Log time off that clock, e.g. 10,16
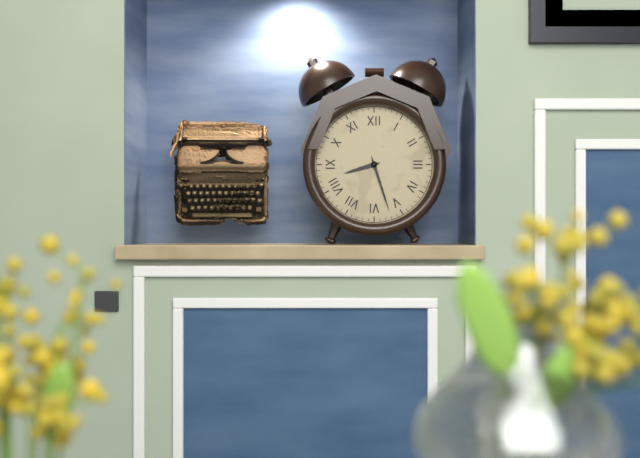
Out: 8,27
